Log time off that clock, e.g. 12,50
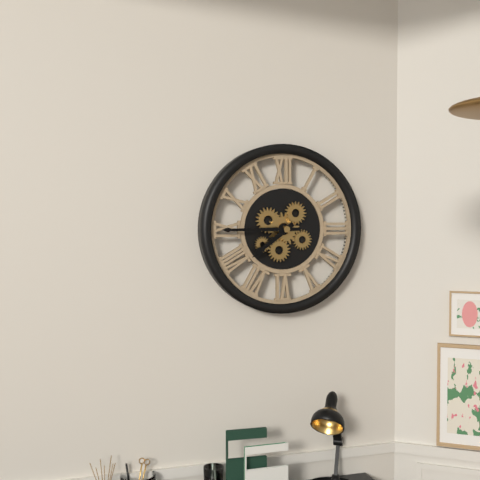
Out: 7,45
